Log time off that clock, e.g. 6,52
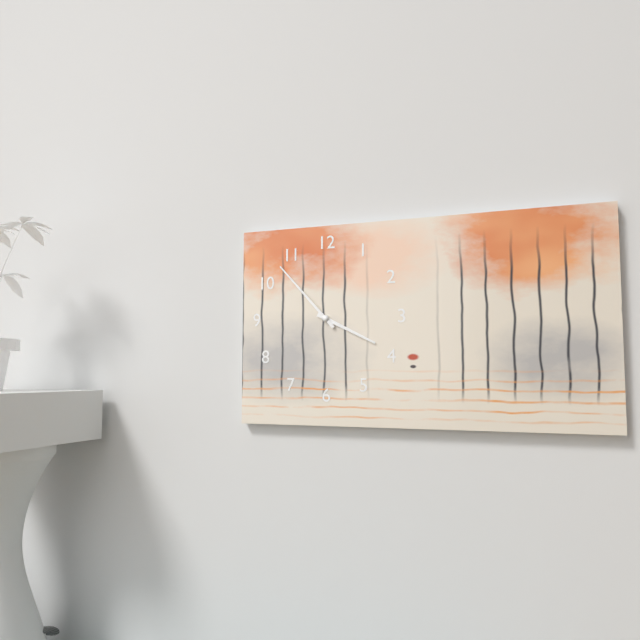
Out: 3,53
